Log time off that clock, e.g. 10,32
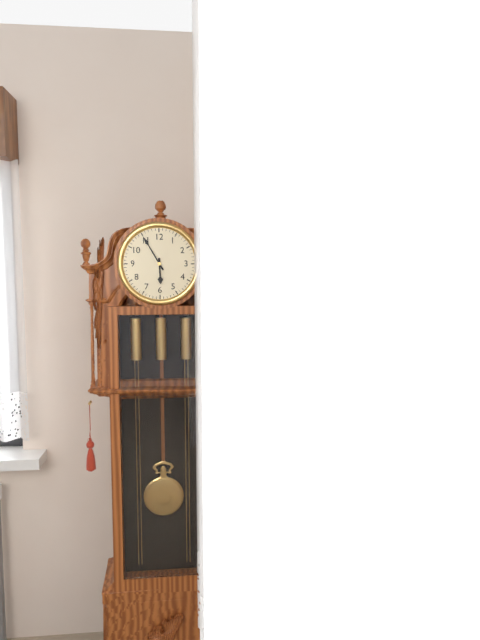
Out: 5,55
